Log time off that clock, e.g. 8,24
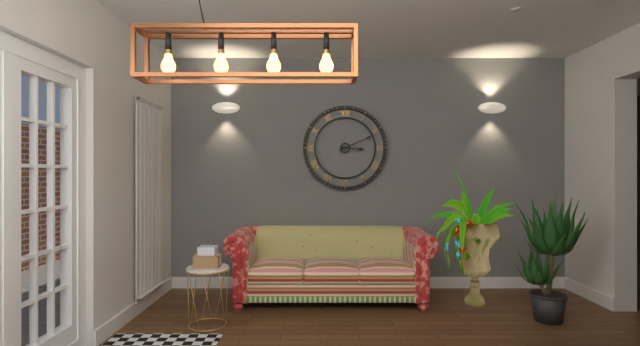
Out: 3,11
